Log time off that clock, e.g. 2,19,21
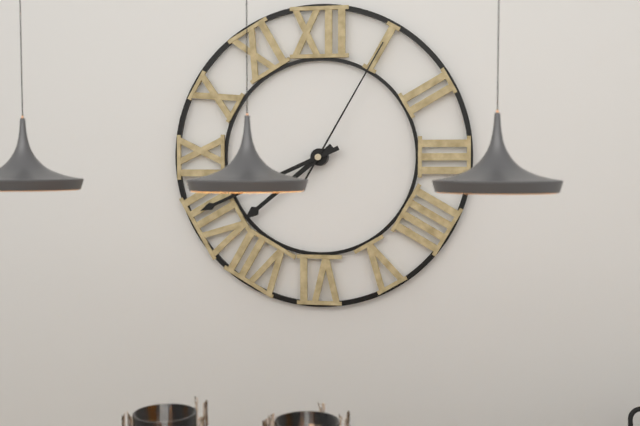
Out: 7,41,05
